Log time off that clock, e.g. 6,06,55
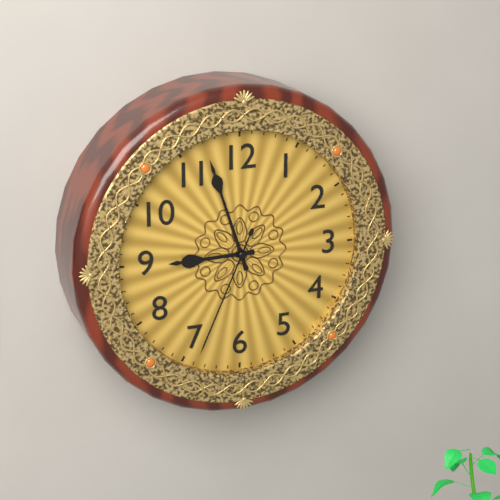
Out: 8,57,34
